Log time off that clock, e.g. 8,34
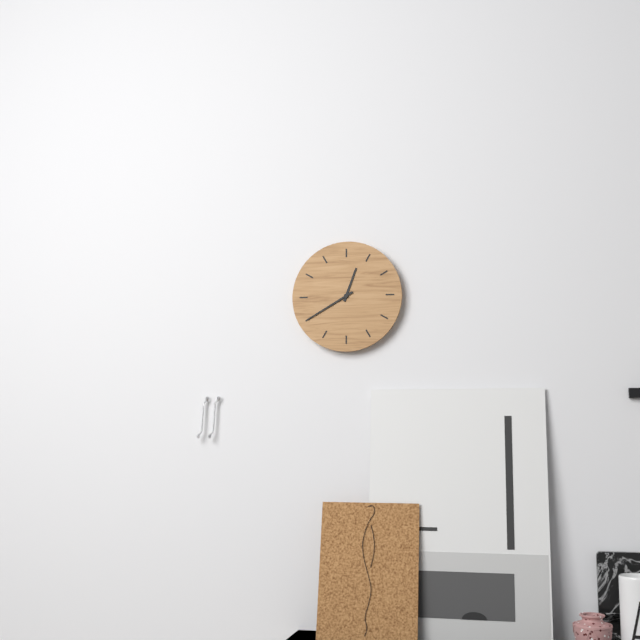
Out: 12,40
